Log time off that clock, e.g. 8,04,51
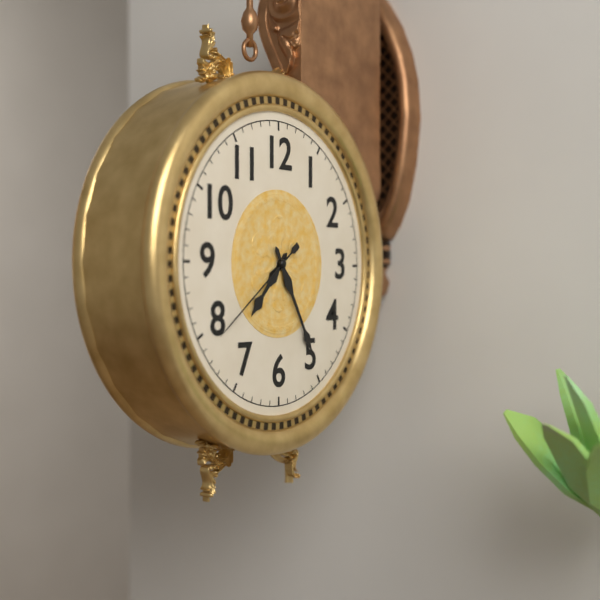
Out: 7,25,39
